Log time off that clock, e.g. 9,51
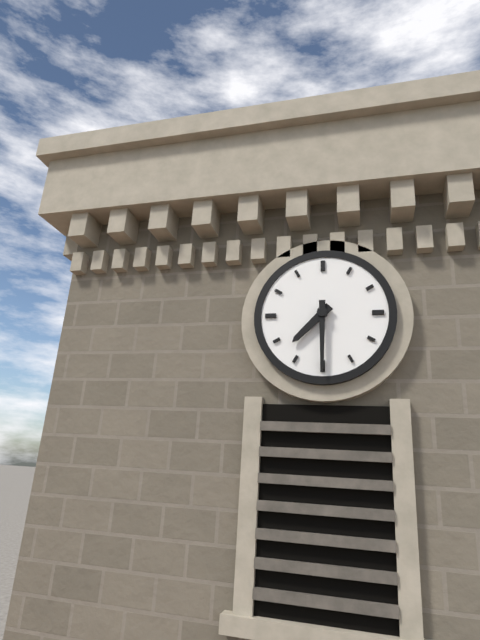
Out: 7,30
